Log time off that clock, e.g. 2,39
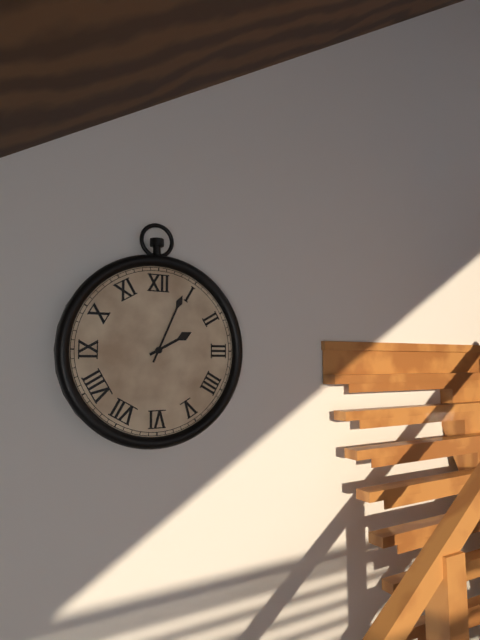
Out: 2,04
